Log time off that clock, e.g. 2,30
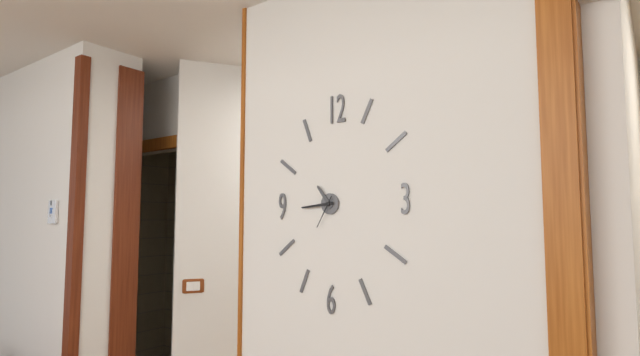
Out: 10,44
